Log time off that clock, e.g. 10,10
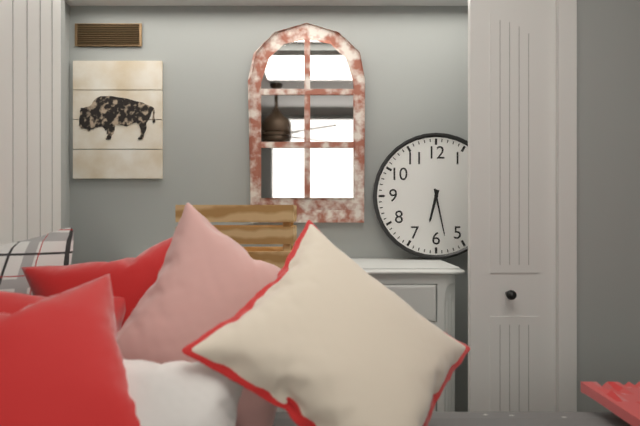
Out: 6,28
